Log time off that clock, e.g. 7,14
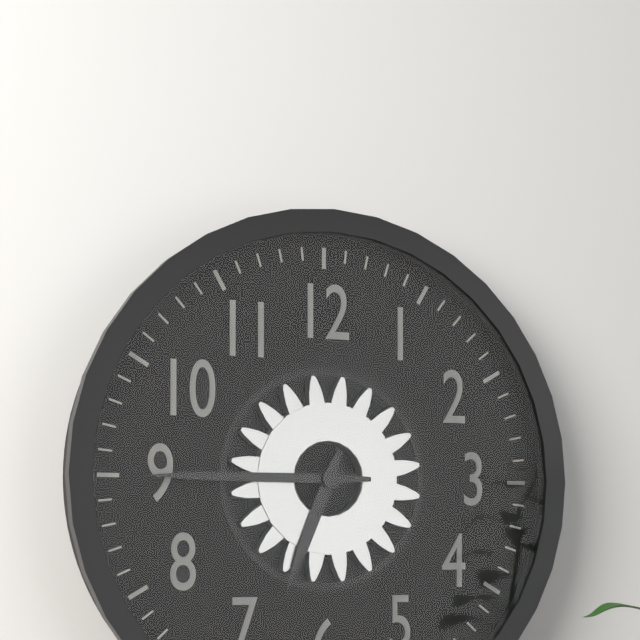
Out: 6,45
